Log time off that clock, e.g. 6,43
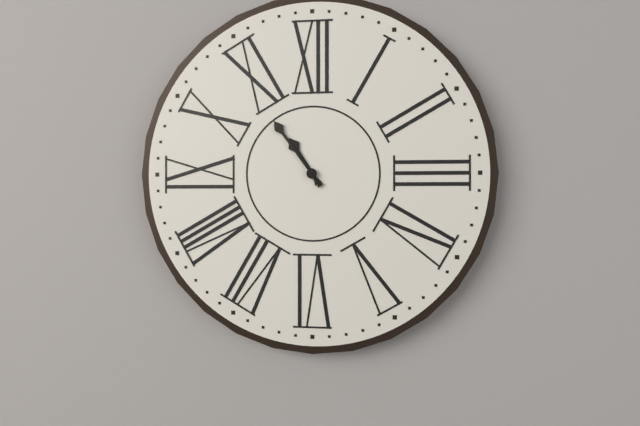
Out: 10,54
